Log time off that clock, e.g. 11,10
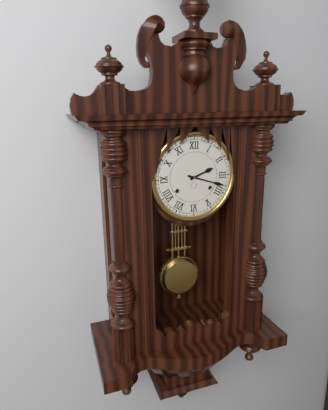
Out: 2,18
